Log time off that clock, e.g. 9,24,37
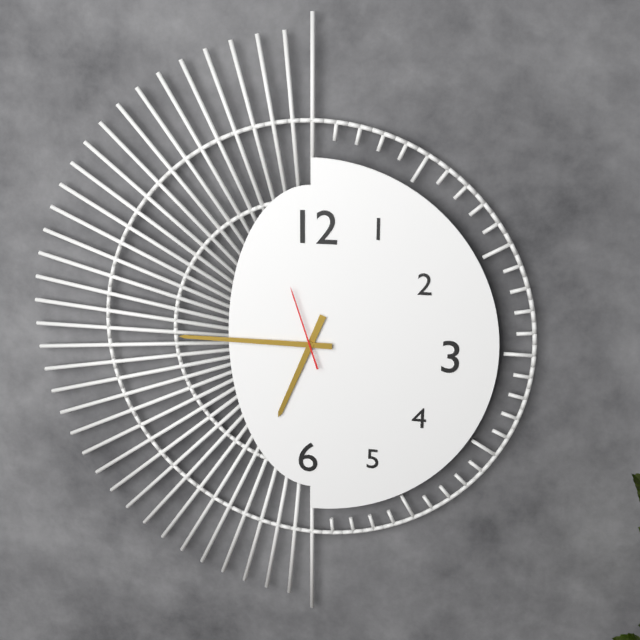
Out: 6,45,57
